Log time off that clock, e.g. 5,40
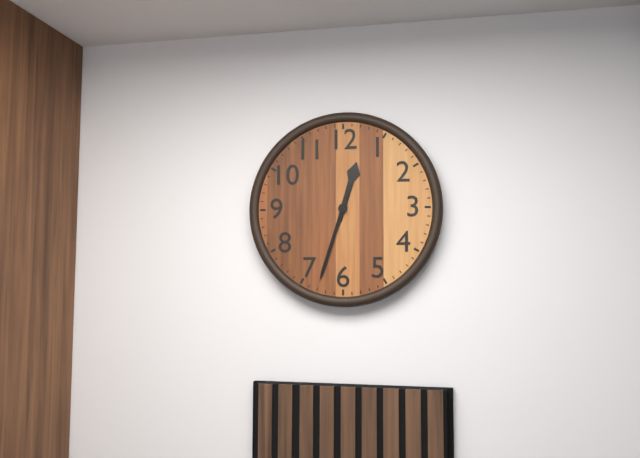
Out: 12,33
